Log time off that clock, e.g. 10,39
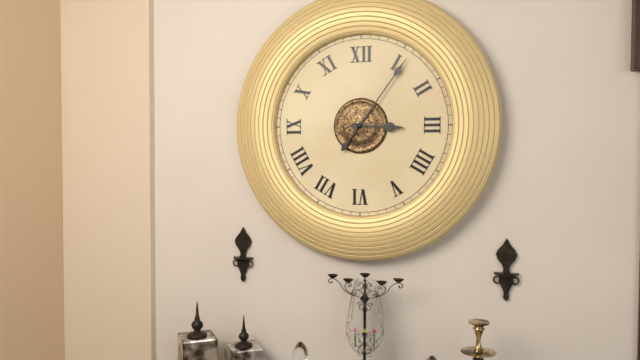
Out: 3,06
